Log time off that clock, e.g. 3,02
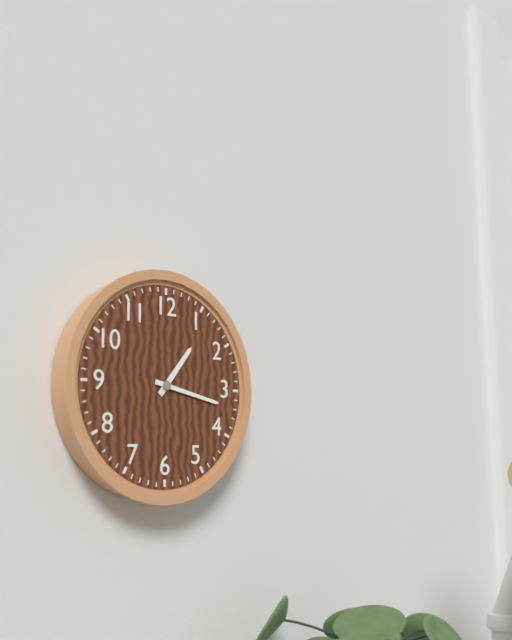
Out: 1,17
